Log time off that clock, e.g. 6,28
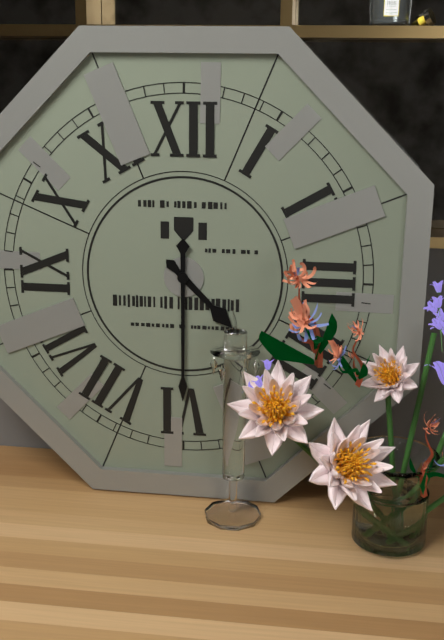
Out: 4,30
